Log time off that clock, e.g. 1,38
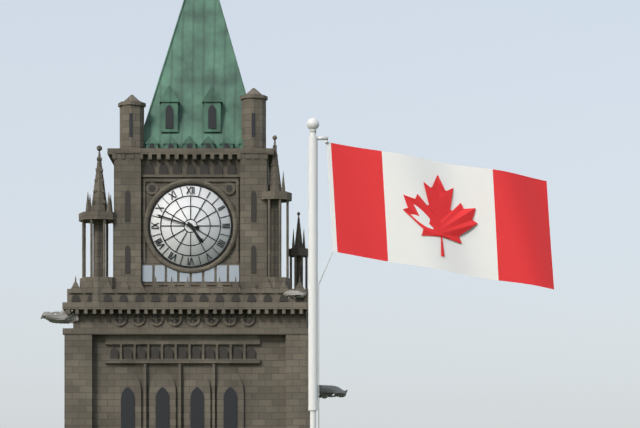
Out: 4,48
